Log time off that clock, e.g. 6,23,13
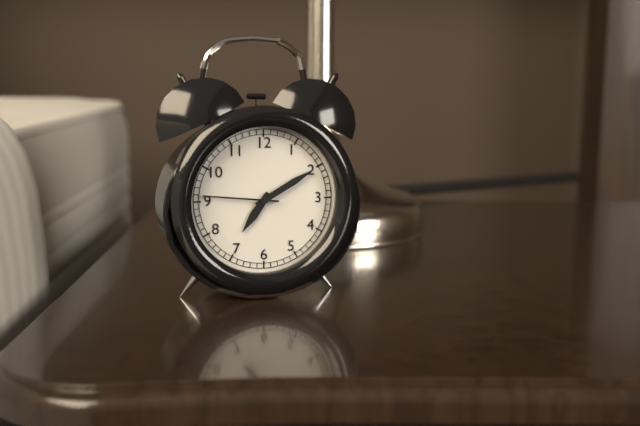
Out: 7,10,46
